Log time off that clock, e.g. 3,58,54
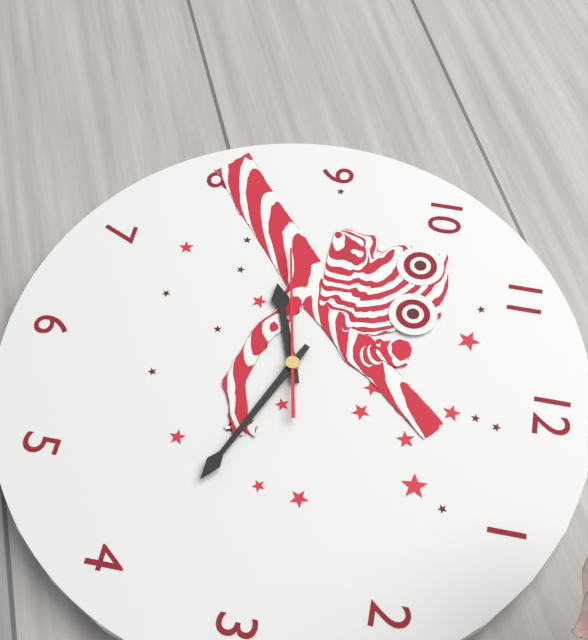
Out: 8,19,43
